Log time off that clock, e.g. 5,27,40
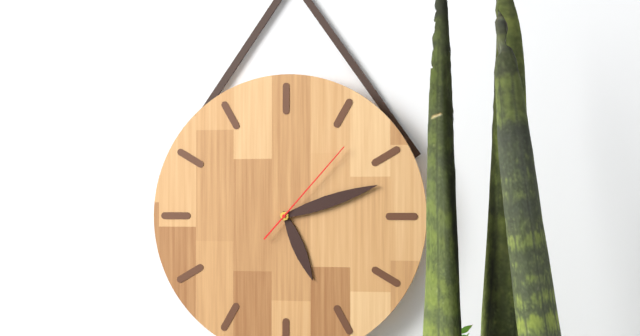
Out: 5,12,07
